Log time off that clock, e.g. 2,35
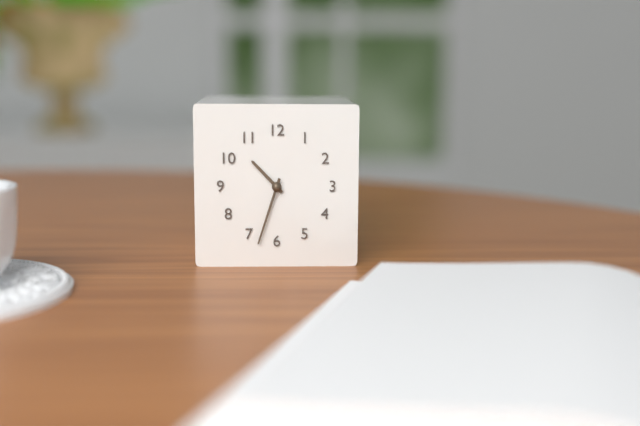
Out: 10,33
